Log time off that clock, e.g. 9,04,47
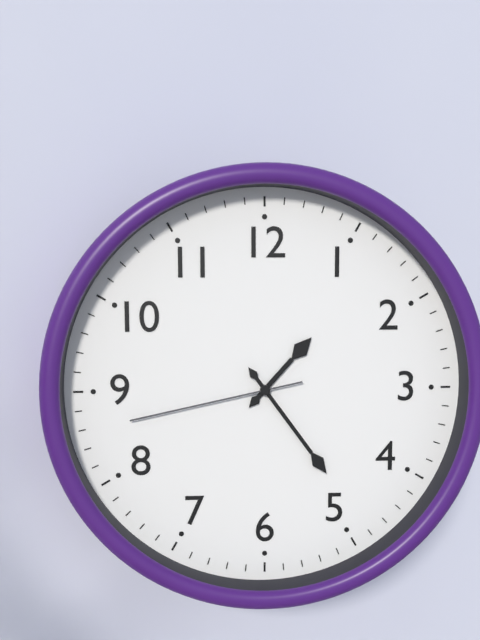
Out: 1,24,43
